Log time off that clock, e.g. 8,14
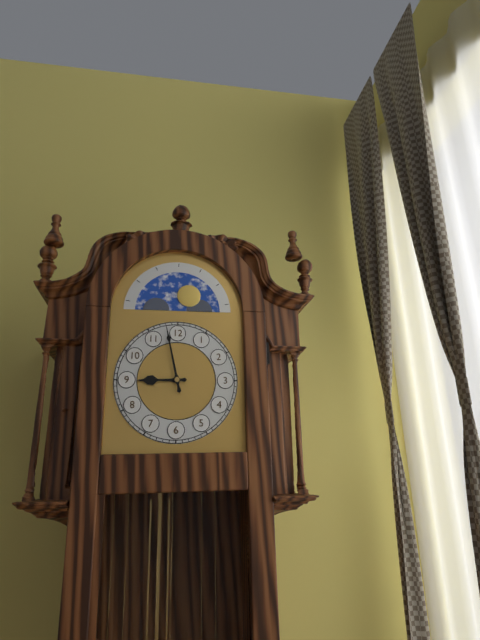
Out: 8,58
